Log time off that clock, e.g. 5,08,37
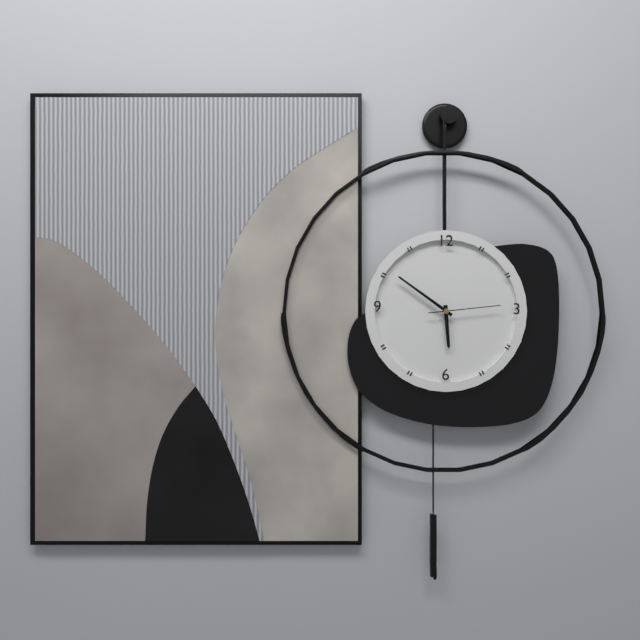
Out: 5,51,14
